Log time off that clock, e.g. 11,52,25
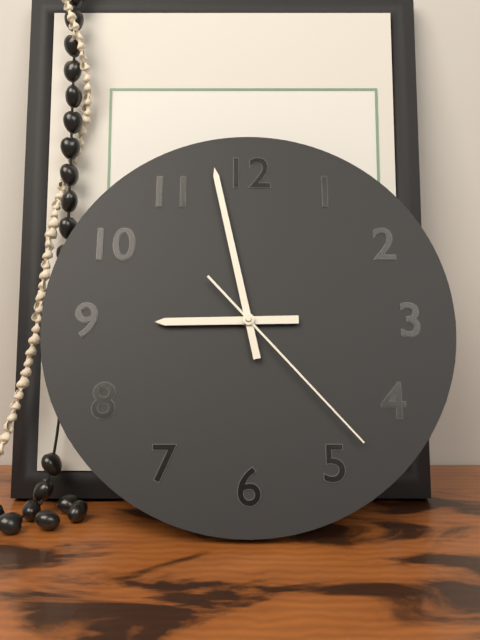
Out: 8,58,23
